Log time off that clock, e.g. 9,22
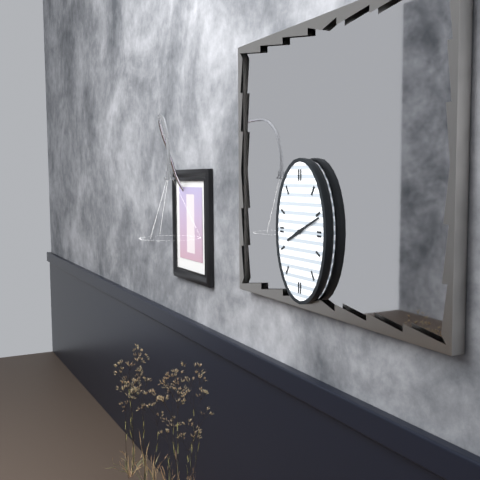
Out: 8,11
